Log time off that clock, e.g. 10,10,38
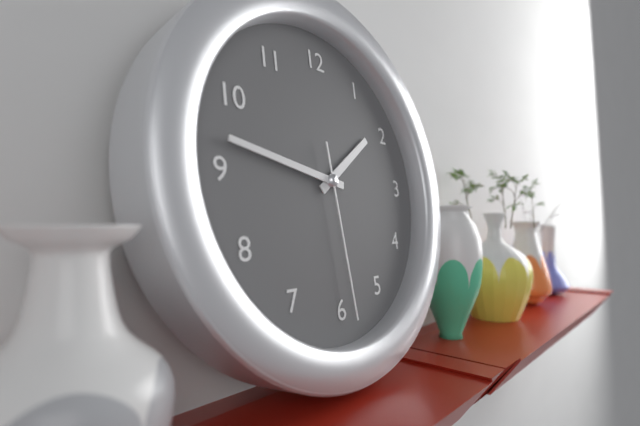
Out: 1,47,29
